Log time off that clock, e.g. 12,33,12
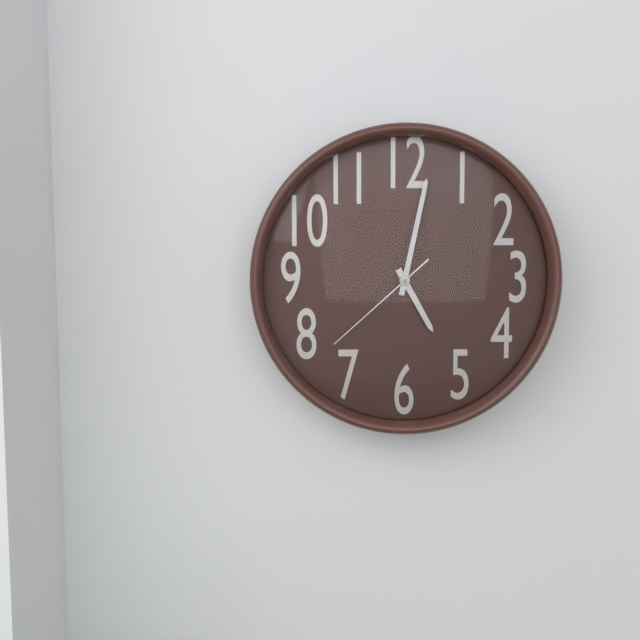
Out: 5,02,38
